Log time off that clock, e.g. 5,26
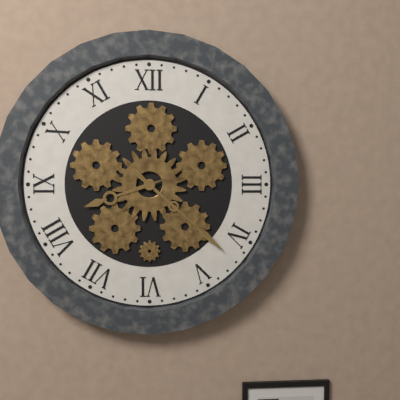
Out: 8,22
